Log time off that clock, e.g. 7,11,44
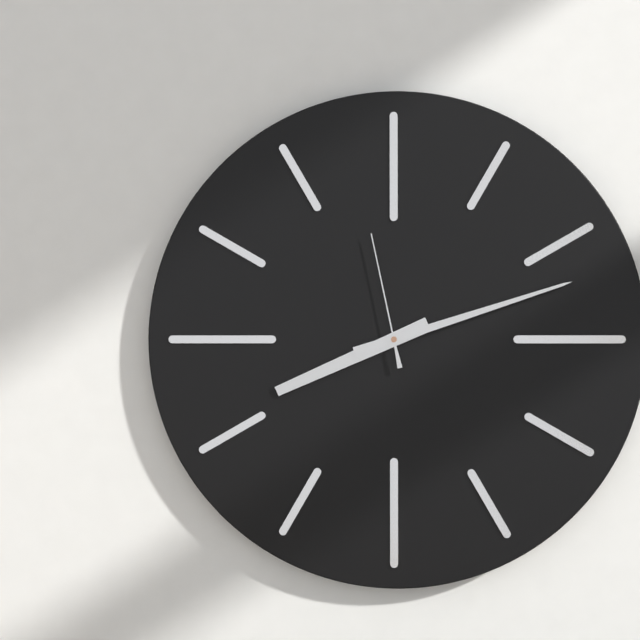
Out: 8,12,58
